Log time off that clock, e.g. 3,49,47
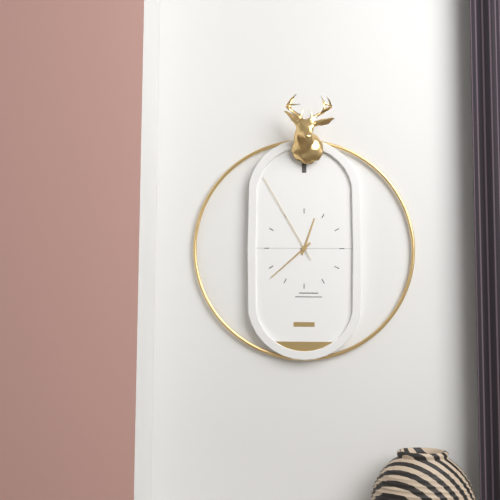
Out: 12,38,55
